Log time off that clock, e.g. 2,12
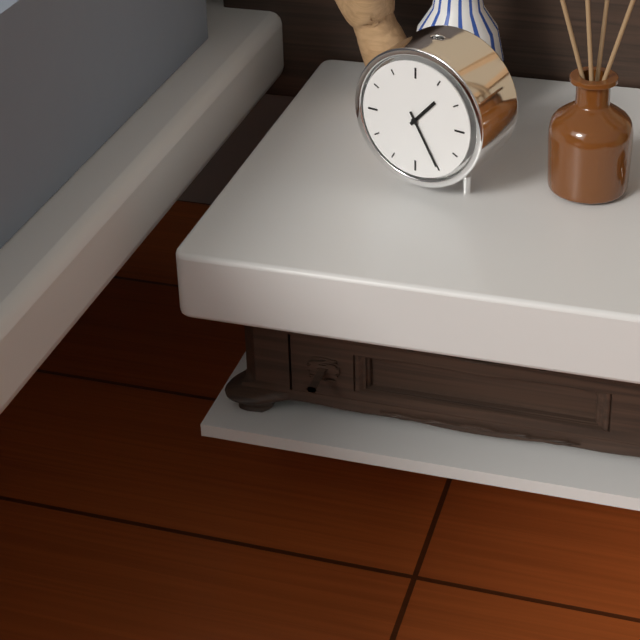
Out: 1,25
